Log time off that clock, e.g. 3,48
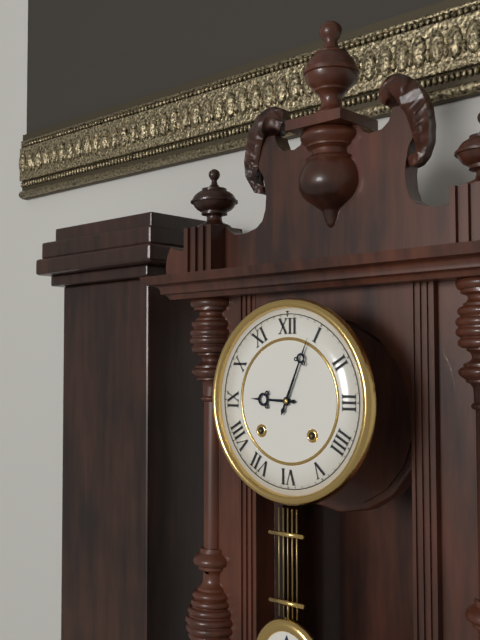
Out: 9,04
